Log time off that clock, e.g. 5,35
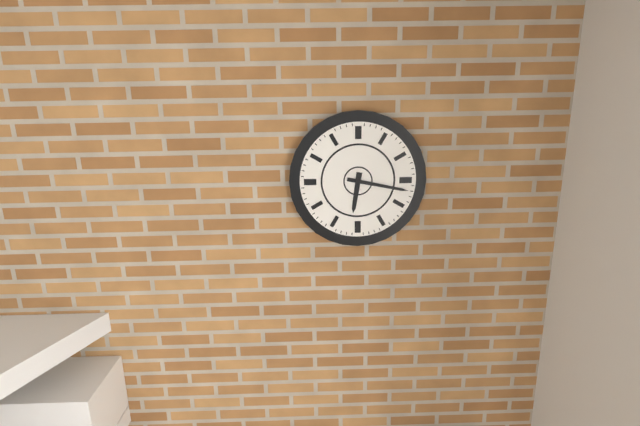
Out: 6,17
